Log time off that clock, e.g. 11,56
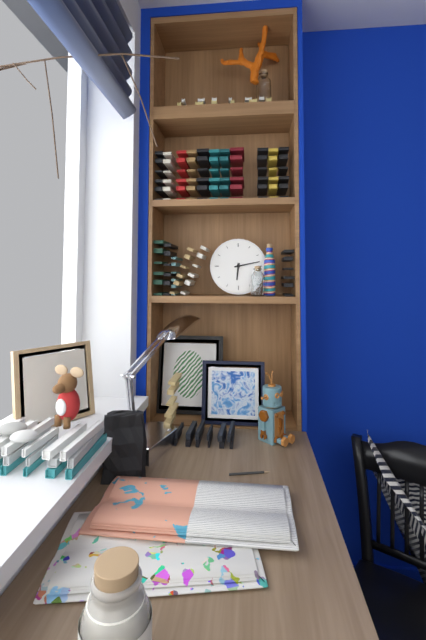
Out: 6,13
